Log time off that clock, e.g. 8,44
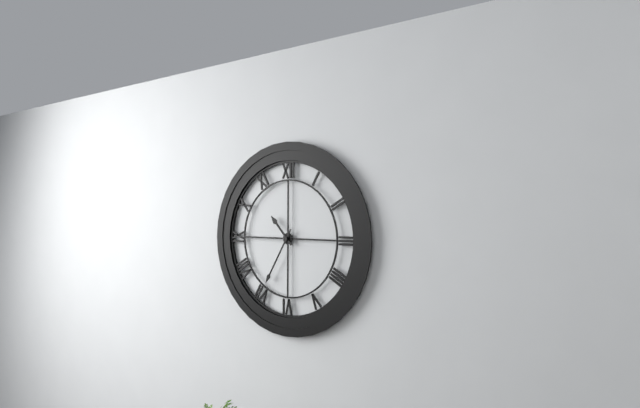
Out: 10,35
